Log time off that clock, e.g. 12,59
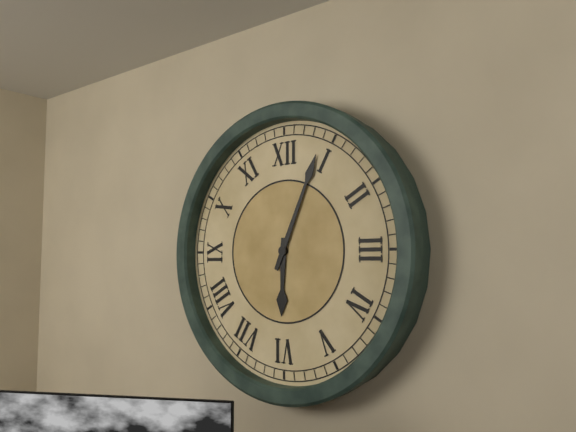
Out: 6,04
